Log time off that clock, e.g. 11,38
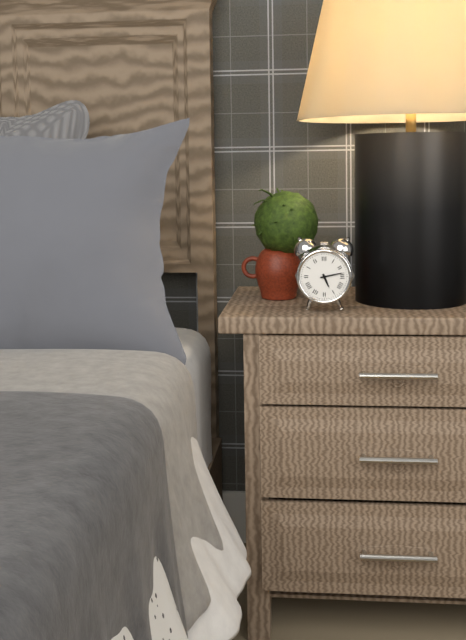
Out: 5,13
